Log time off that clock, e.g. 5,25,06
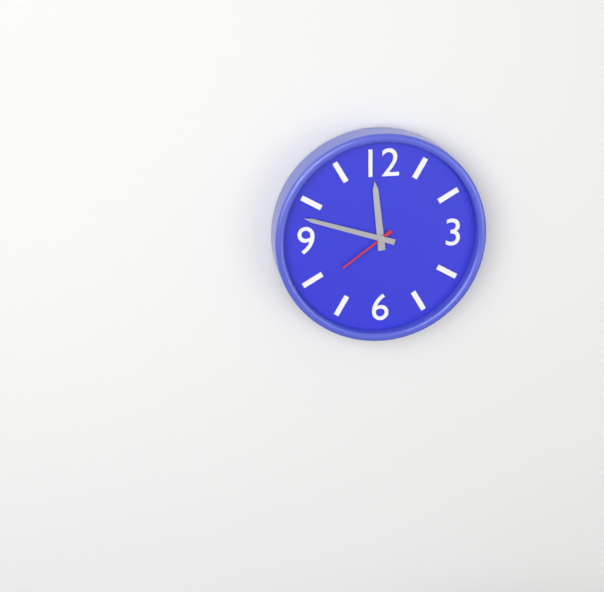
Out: 11,48,39
